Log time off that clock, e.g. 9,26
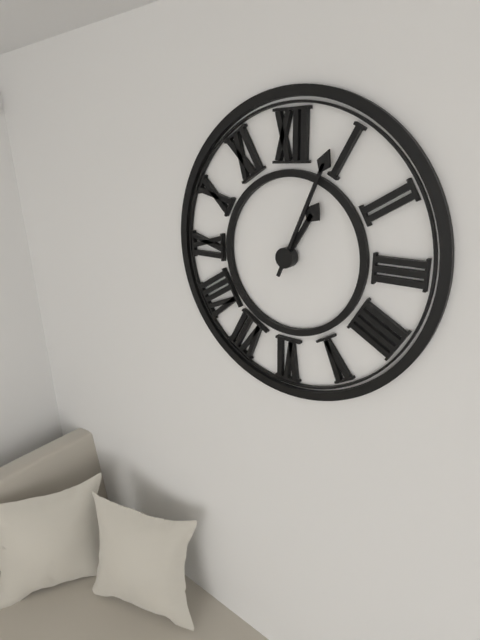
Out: 1,04
